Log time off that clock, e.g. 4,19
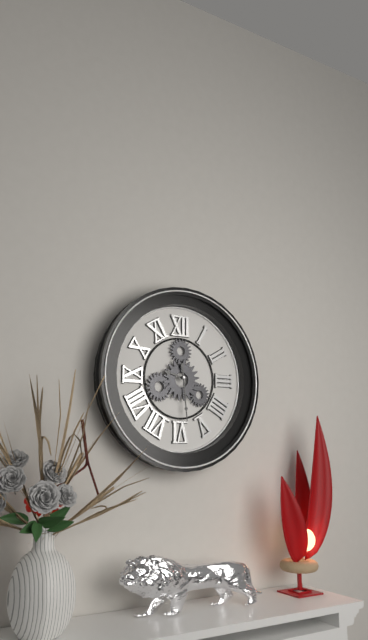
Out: 9,29
